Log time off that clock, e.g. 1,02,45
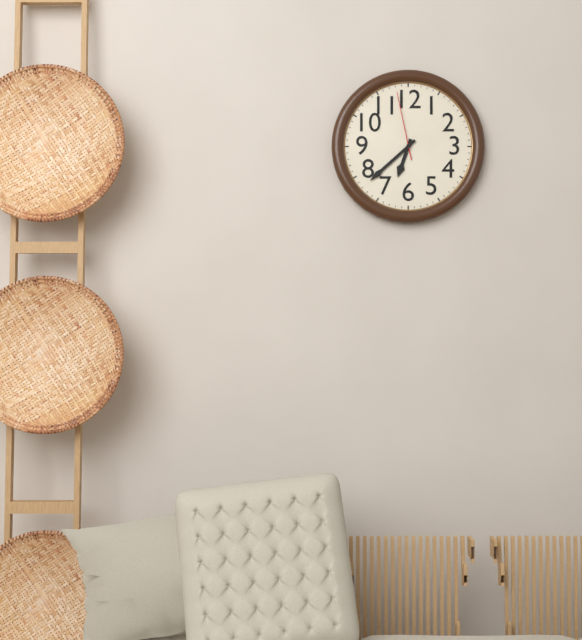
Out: 6,38,58
